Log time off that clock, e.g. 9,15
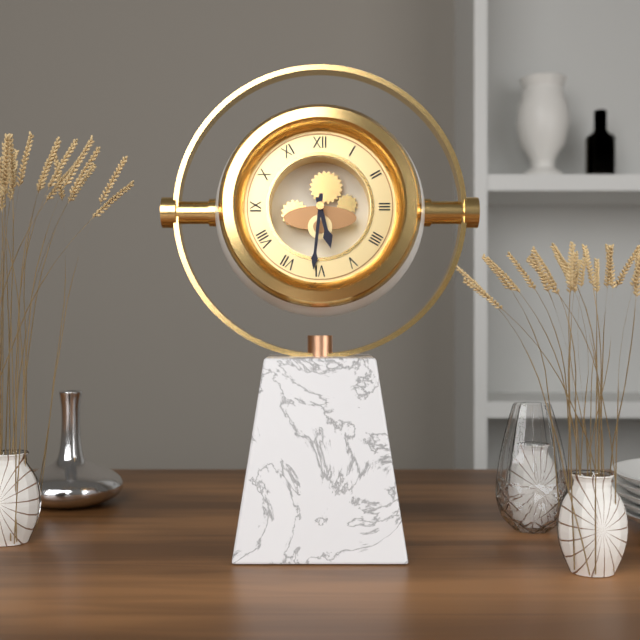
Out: 5,31
